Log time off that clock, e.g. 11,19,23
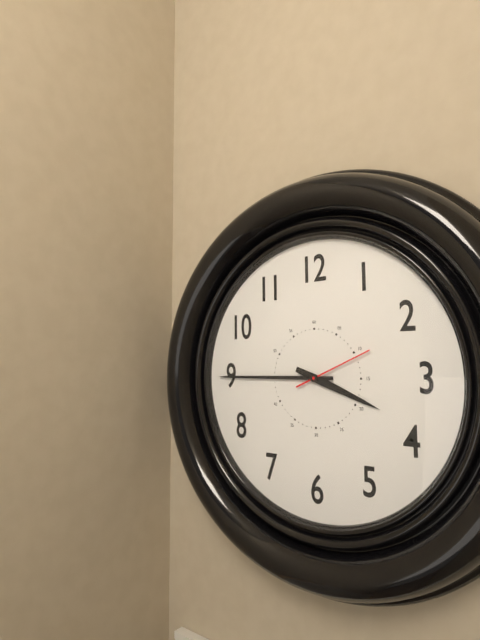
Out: 3,45,11
